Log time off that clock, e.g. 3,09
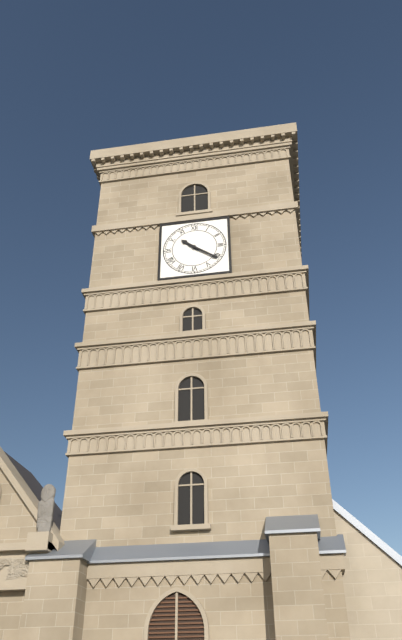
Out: 10,21
